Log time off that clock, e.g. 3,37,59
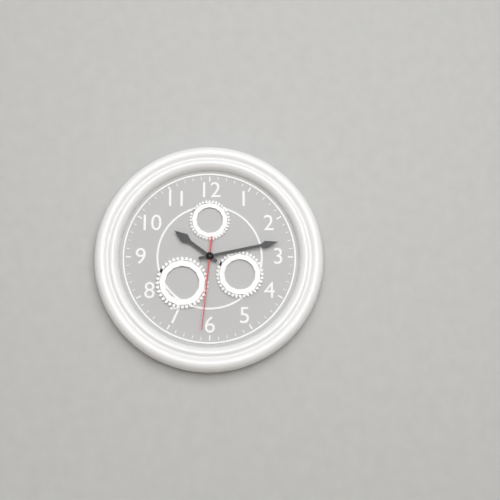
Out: 10,13,31
